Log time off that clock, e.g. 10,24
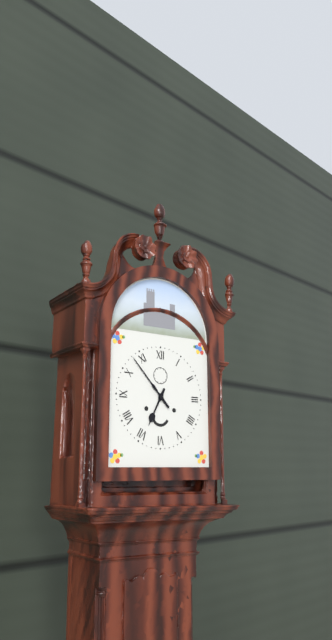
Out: 6,53
